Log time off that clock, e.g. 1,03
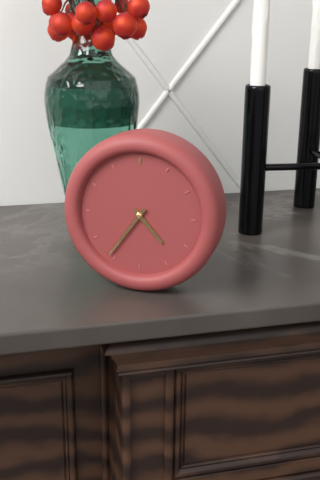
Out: 4,36
